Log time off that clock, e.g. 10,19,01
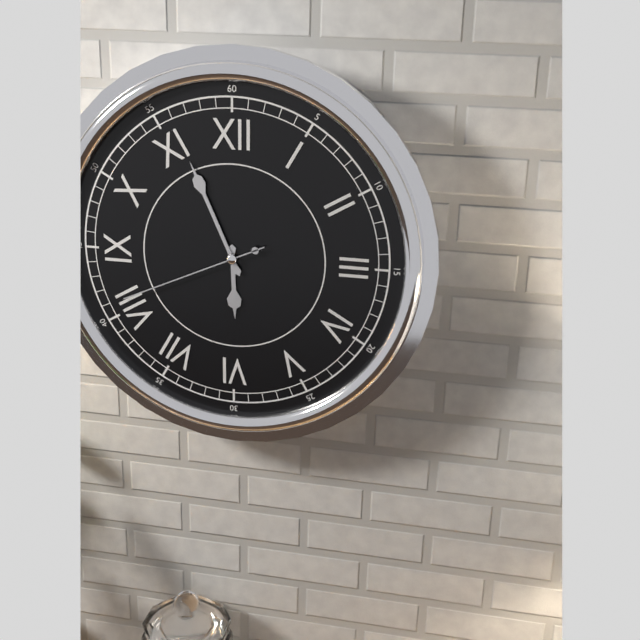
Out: 5,56,41
